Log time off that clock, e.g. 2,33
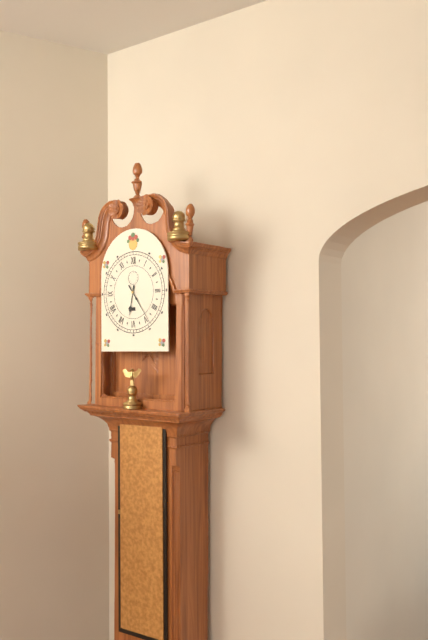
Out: 6,24
